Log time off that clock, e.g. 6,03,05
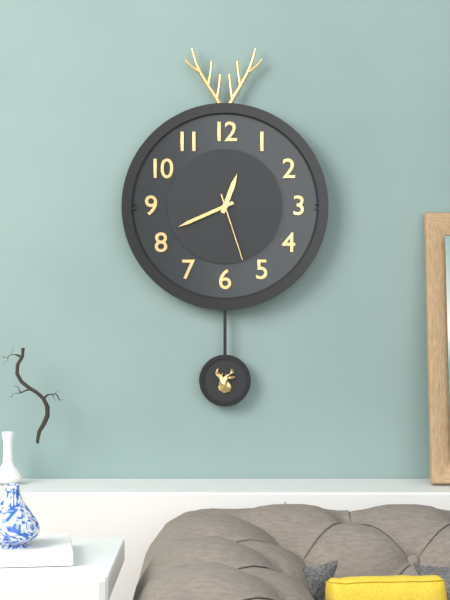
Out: 12,41,27
